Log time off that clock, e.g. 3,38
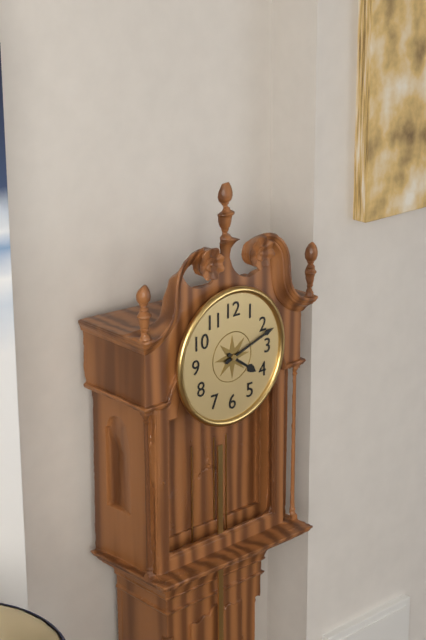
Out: 4,12
